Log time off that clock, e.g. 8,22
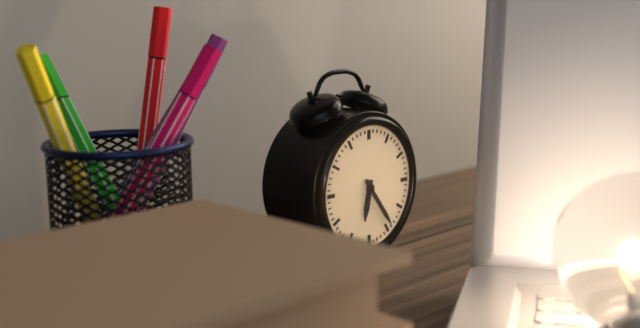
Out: 6,24
